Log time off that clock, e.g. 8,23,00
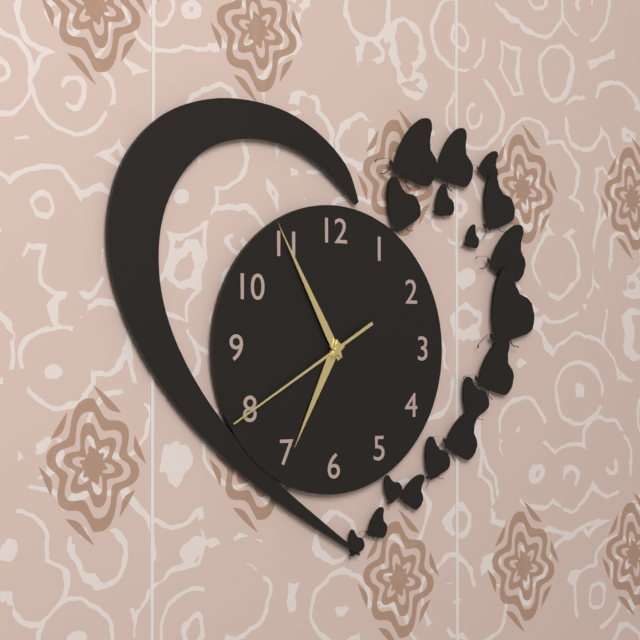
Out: 6,55,40
